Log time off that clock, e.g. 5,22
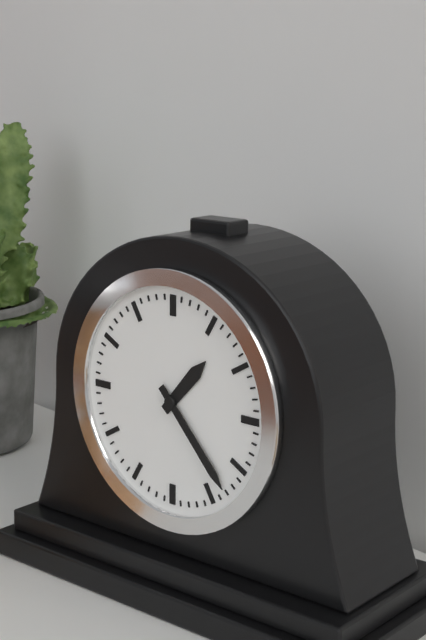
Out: 1,23
